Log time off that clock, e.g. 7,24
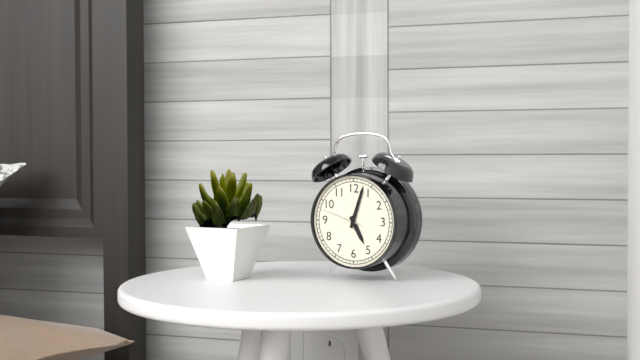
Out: 5,03
